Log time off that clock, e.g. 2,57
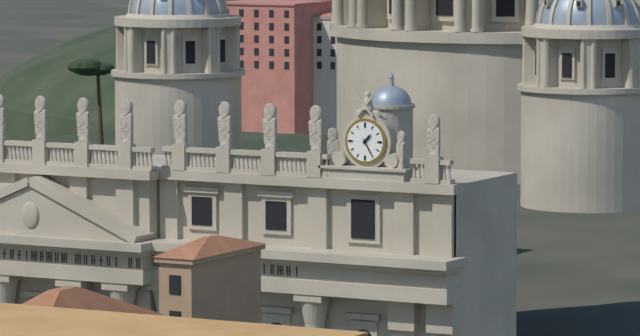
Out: 1,25
